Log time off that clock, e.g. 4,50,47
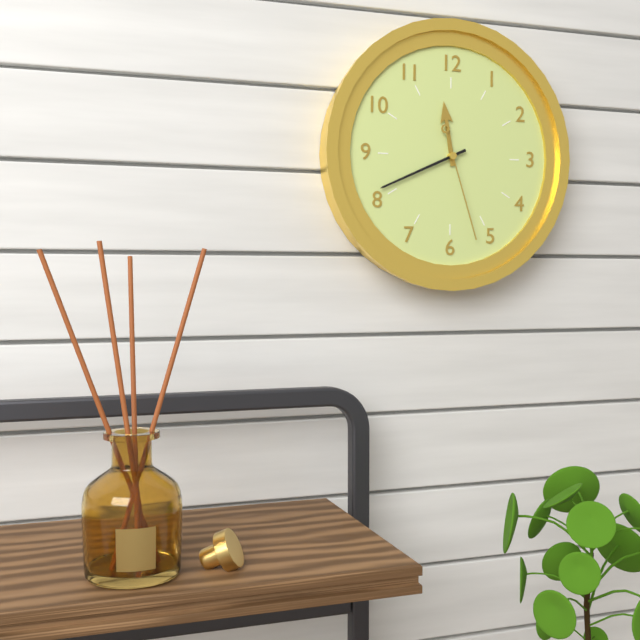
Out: 11,41,27
